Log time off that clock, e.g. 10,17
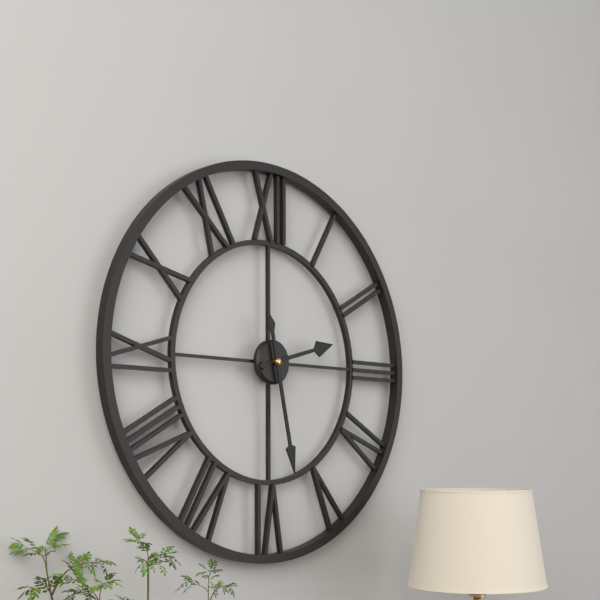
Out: 2,28
